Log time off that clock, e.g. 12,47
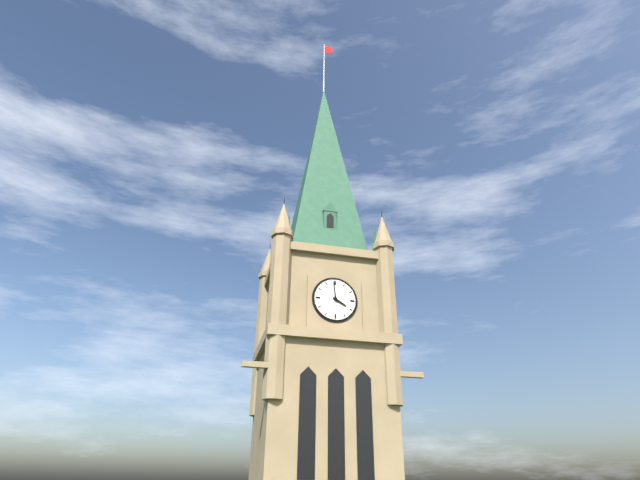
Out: 3,59
